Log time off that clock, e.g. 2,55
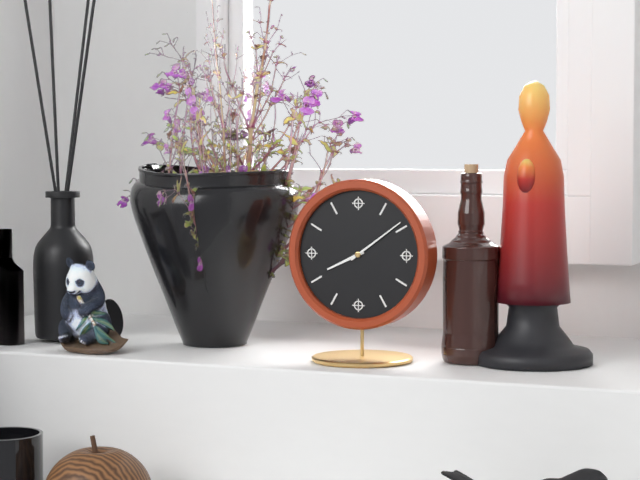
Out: 8,09
